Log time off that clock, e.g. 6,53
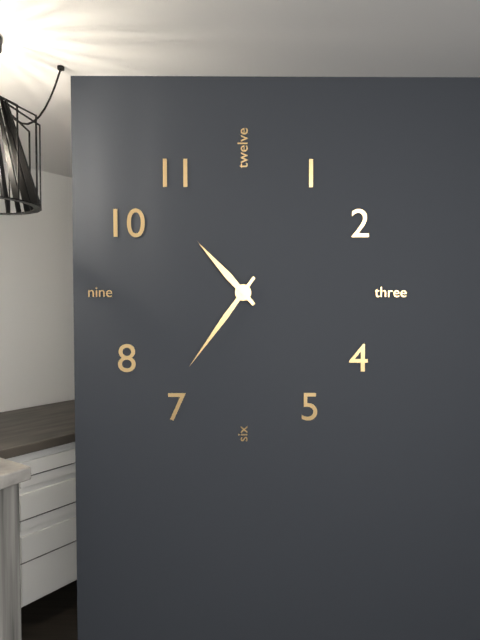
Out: 10,36
